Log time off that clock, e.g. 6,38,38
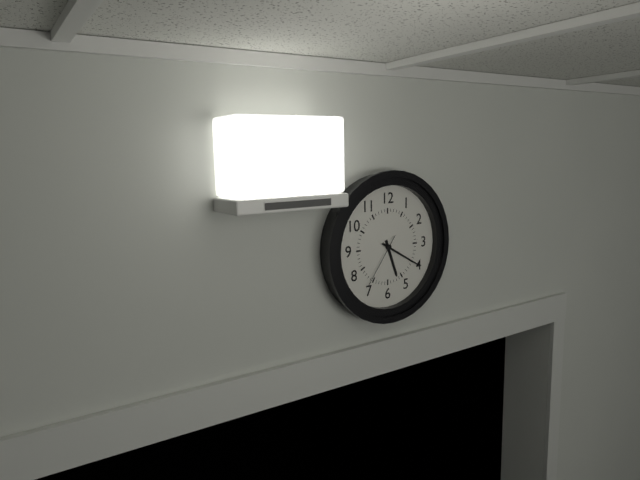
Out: 5,20,36
